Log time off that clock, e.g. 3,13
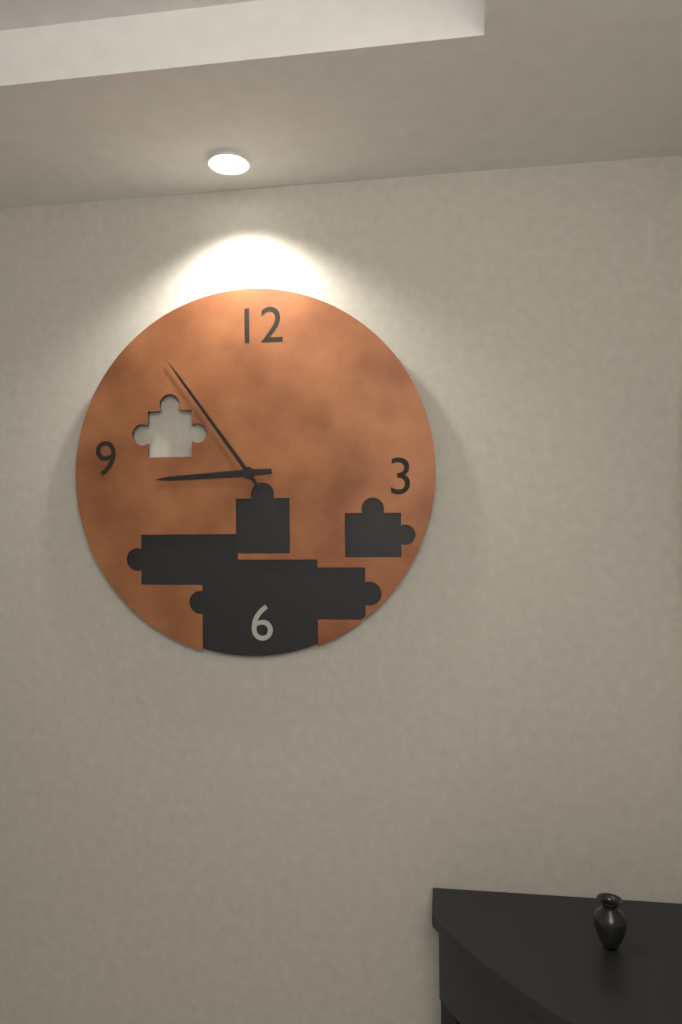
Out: 8,54
